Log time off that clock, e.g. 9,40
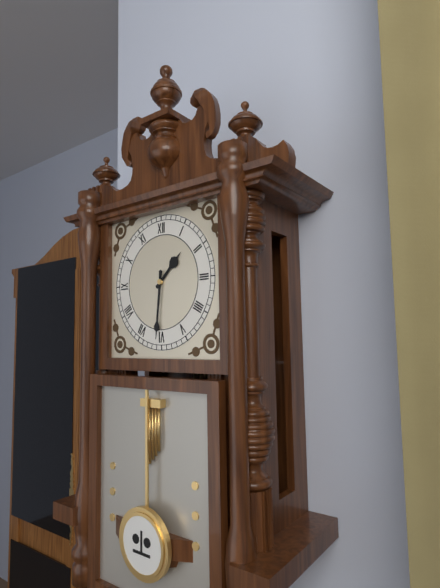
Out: 1,31
